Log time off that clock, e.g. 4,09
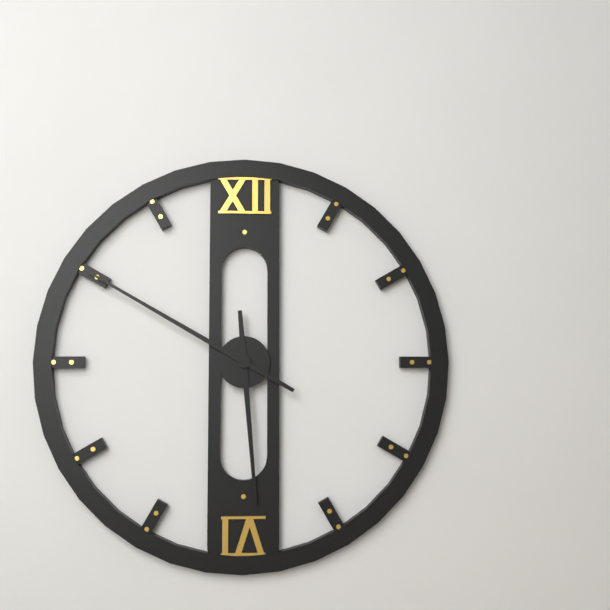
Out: 5,50
